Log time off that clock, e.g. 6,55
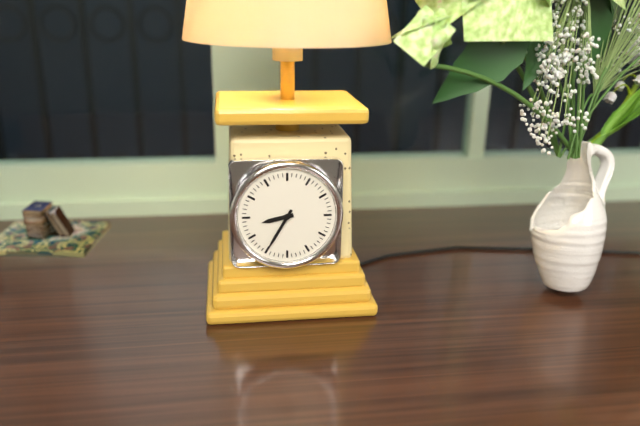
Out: 8,35
